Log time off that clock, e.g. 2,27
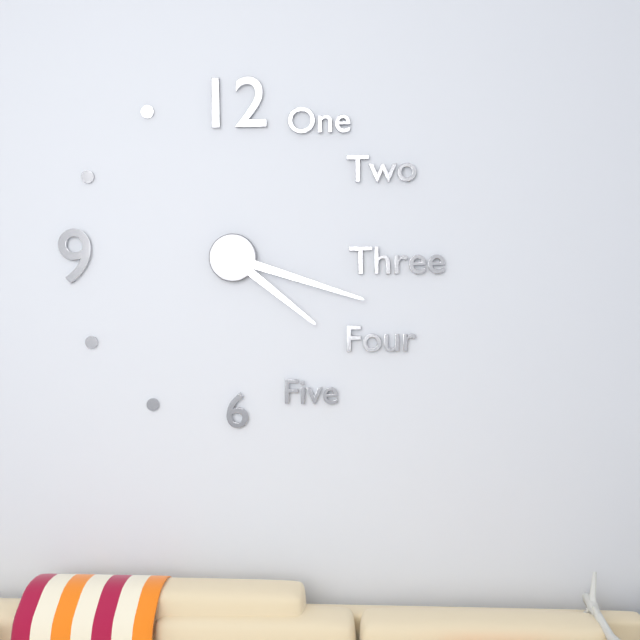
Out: 4,18
